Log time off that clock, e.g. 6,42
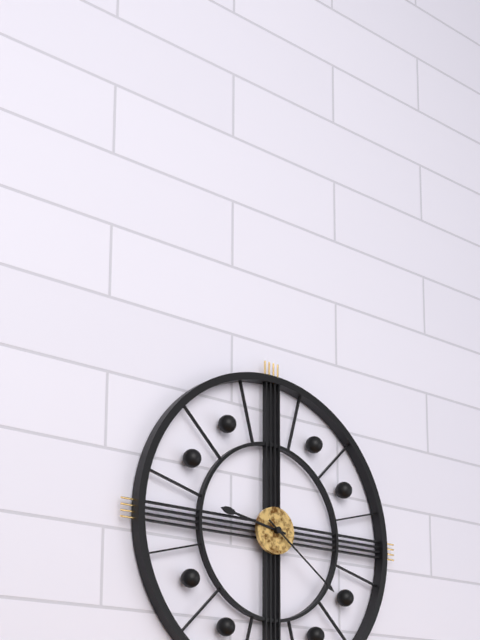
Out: 9,21
